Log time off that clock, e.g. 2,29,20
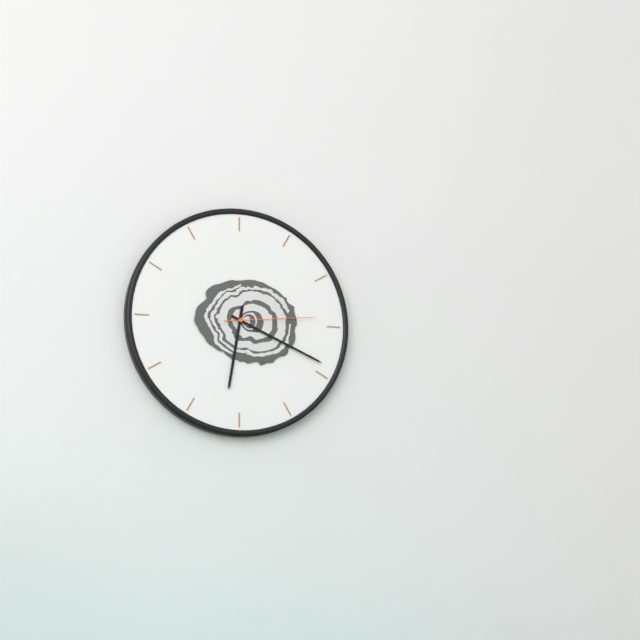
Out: 6,19,14
